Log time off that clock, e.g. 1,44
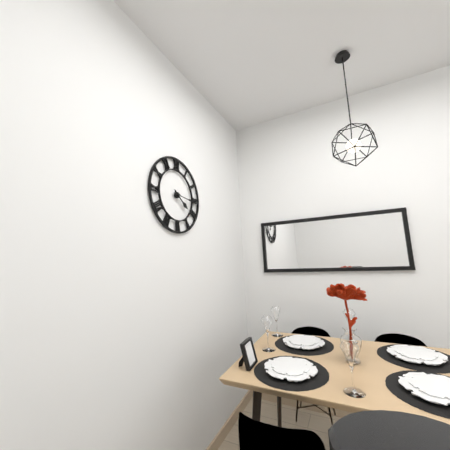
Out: 4,16
